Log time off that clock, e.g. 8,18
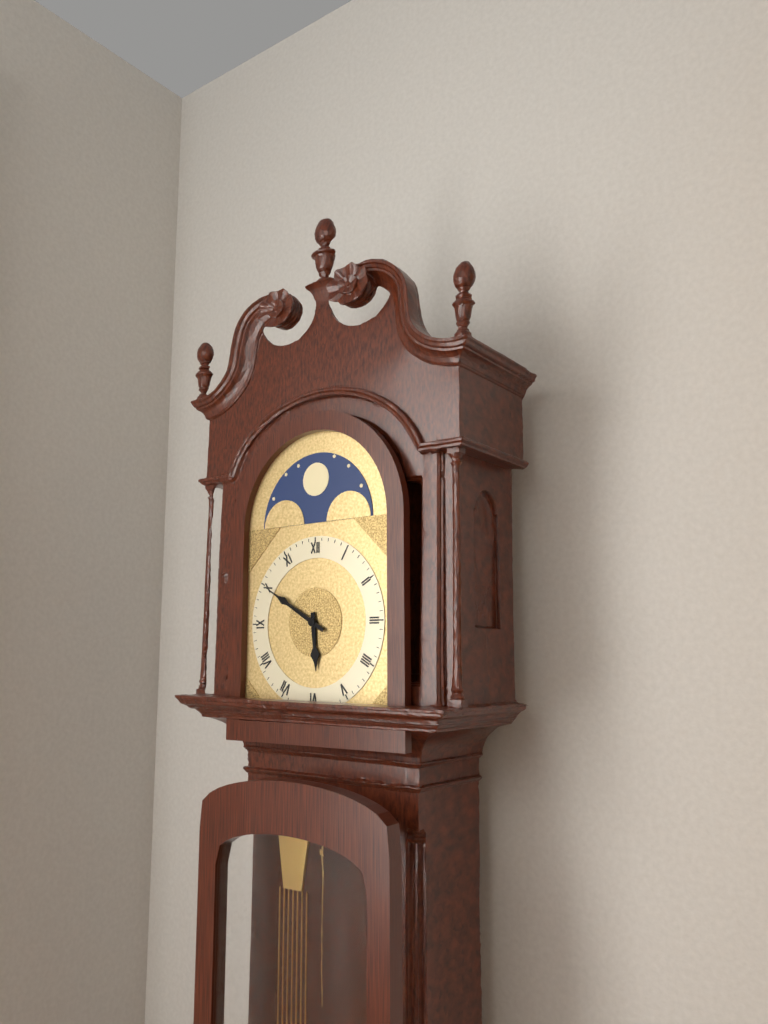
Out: 5,50
